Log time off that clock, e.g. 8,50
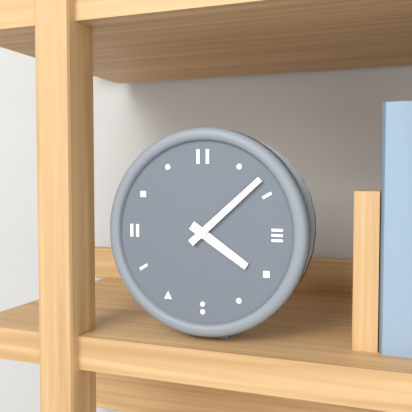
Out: 4,08
